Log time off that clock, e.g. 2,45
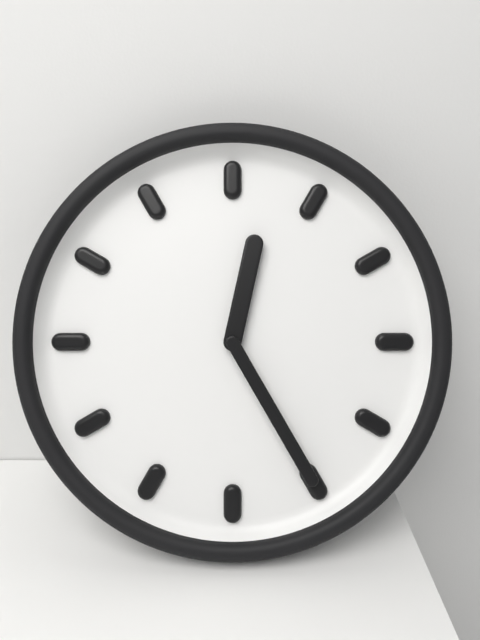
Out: 12,25
